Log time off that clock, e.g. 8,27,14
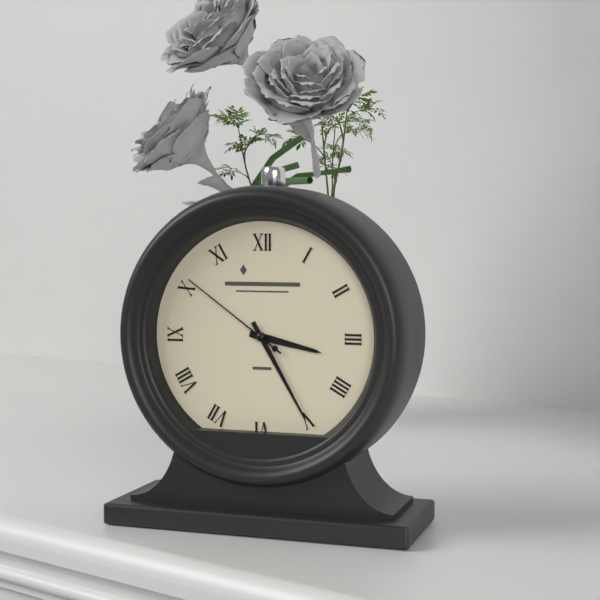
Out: 3,25,51
